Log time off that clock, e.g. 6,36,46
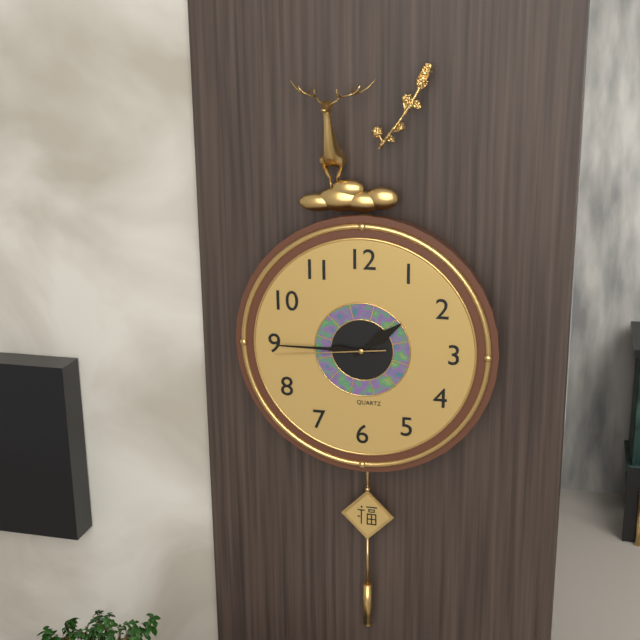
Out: 1,45,44
